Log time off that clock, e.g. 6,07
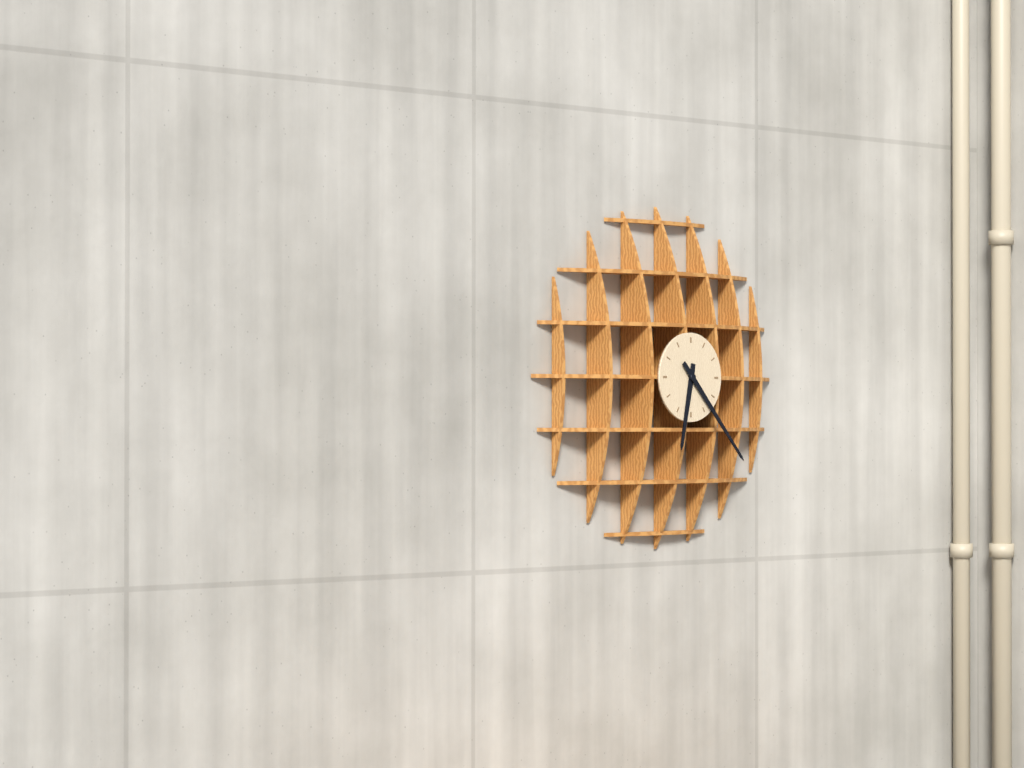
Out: 6,23
